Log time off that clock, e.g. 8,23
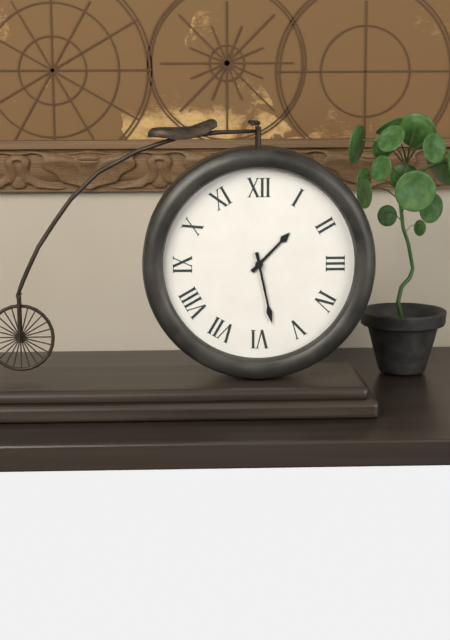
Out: 1,28
